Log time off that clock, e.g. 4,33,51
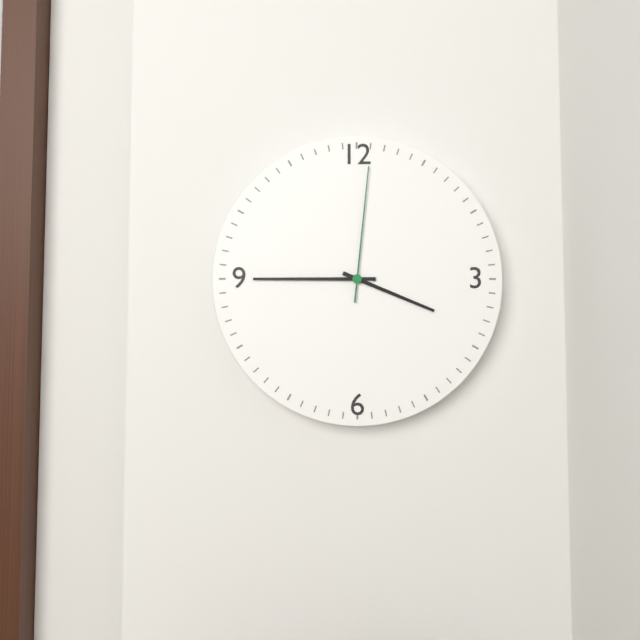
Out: 3,45,01
